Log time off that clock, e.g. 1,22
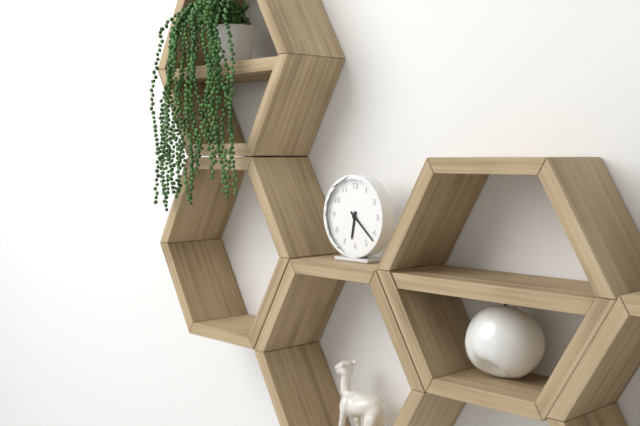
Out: 6,22
